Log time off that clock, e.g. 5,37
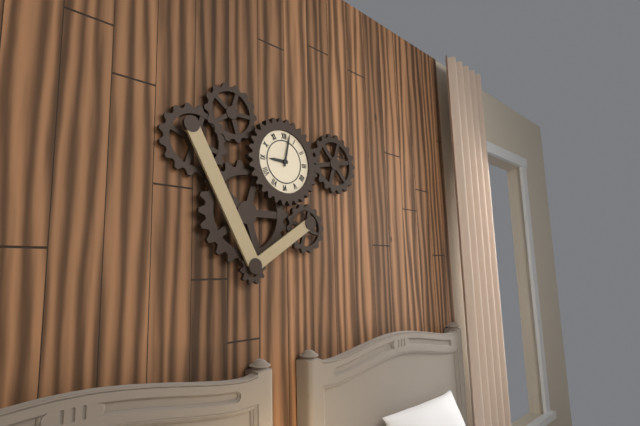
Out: 9,02
